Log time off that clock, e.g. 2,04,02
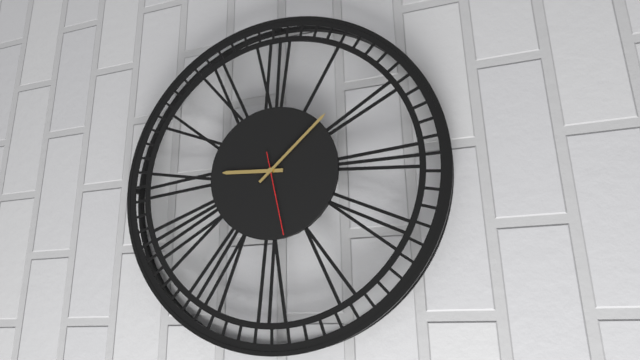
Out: 9,08,28
